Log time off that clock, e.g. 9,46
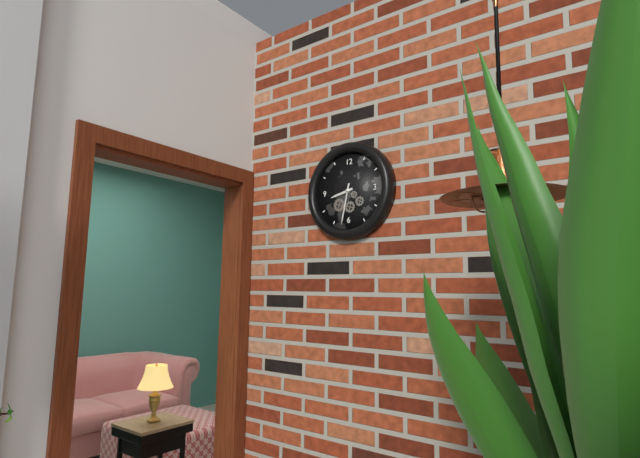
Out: 8,32
